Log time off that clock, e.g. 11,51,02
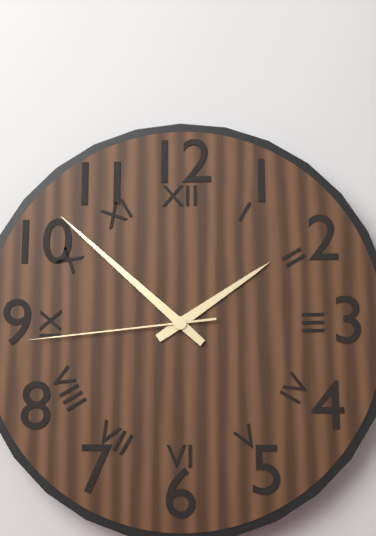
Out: 1,52,44
